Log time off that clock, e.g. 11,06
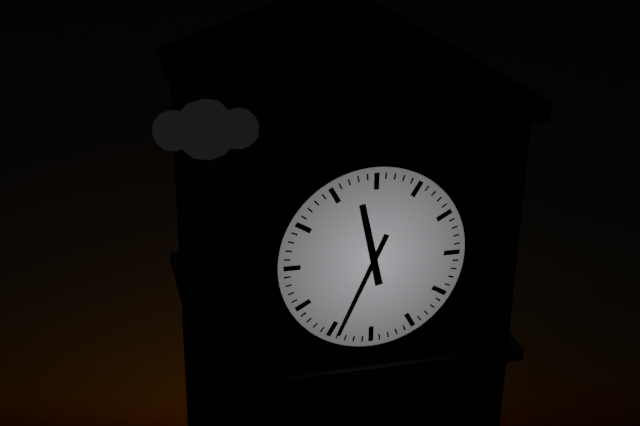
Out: 11,34
